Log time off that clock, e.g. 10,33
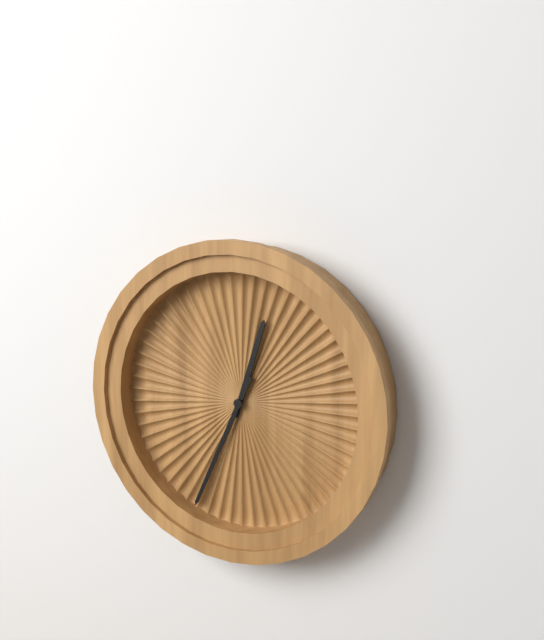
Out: 12,34
